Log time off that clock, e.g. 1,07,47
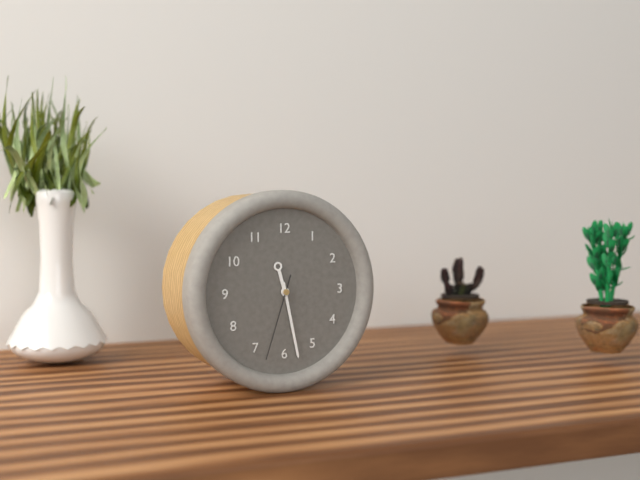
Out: 11,28,33
